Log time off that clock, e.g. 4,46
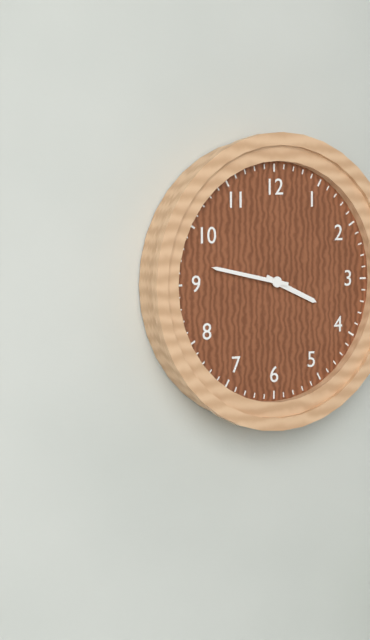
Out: 3,47
